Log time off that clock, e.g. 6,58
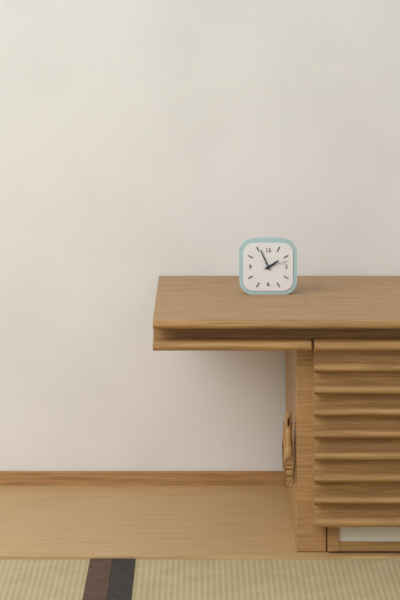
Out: 1,56
